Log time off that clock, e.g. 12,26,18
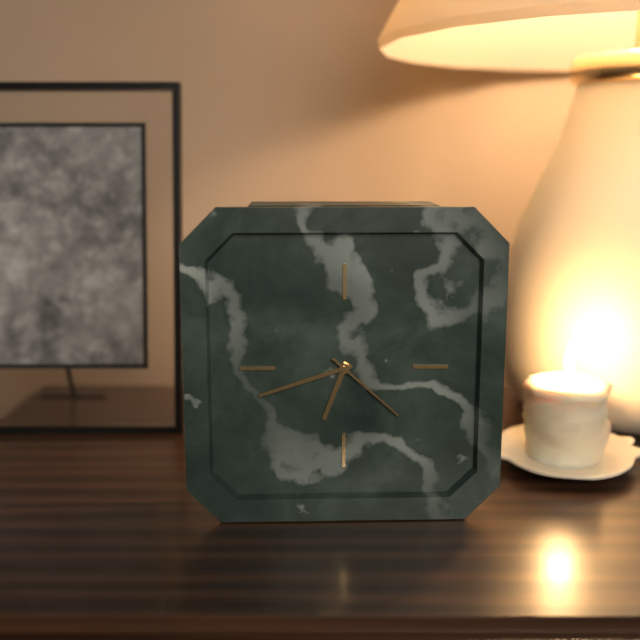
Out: 6,42,22
